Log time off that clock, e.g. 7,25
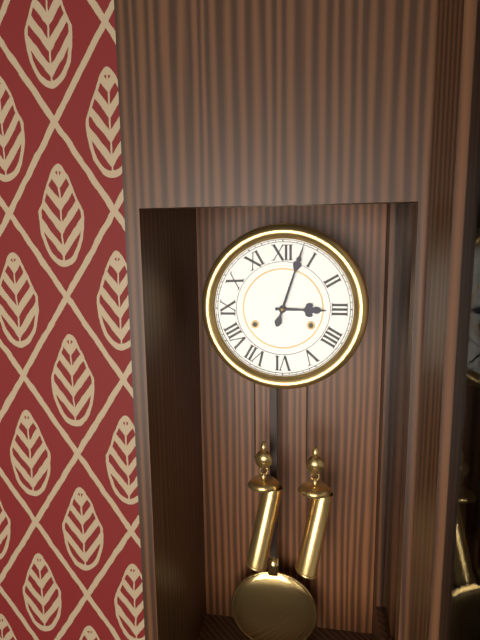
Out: 3,03
